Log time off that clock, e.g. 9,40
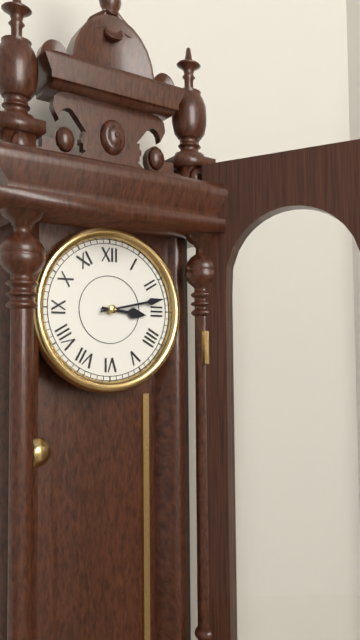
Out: 3,13
